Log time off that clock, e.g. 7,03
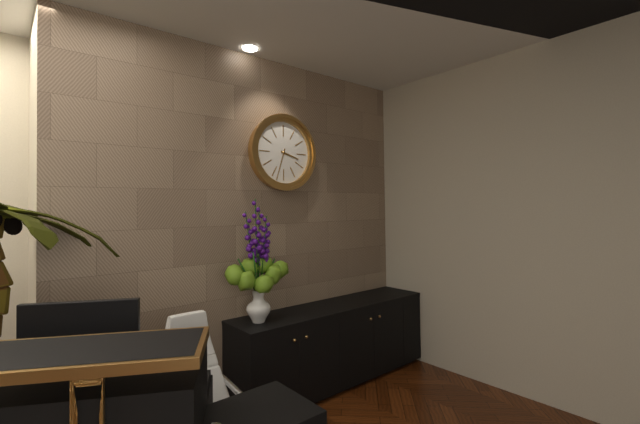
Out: 3,33
